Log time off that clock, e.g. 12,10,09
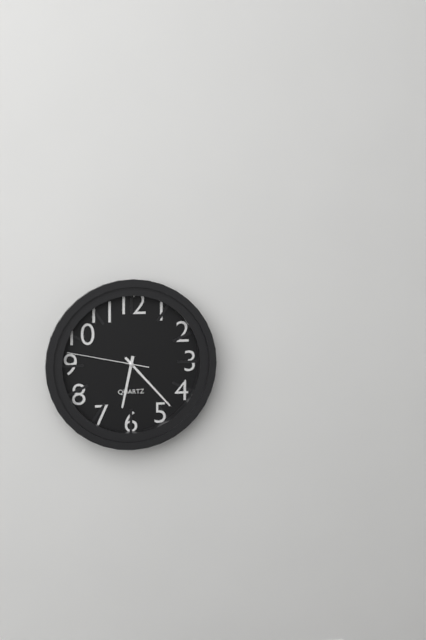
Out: 6,23,47
